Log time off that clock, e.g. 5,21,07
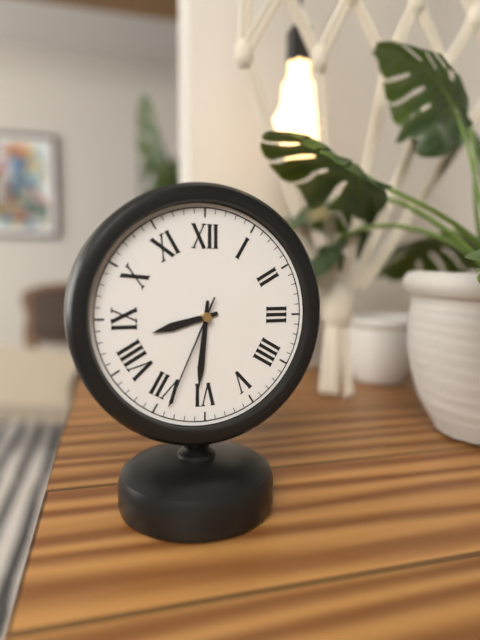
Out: 8,31,34
